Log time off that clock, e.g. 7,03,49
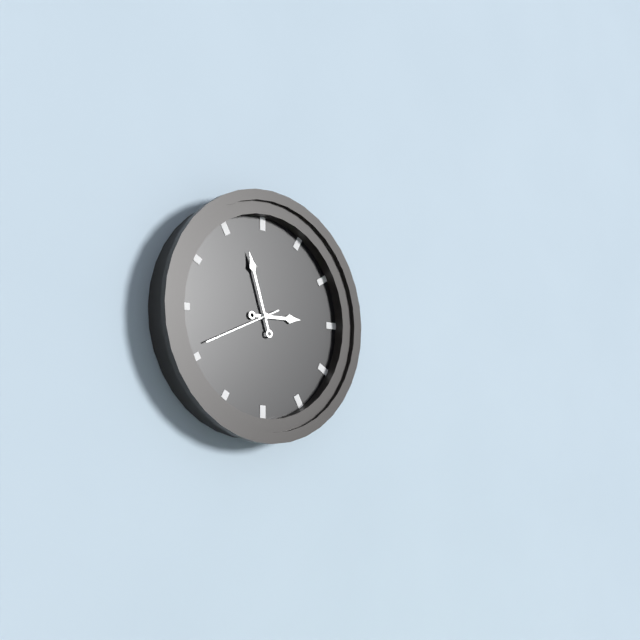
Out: 2,57,41
